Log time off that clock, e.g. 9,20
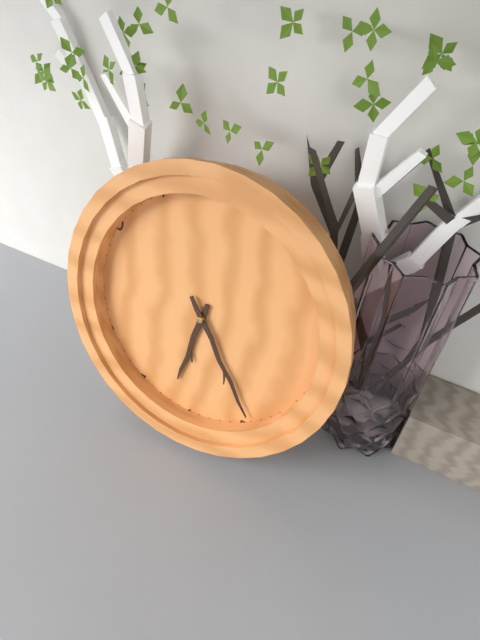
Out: 6,24
